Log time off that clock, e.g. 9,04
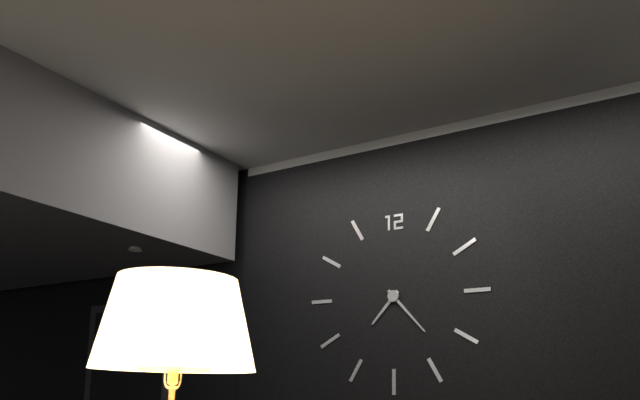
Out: 7,23
